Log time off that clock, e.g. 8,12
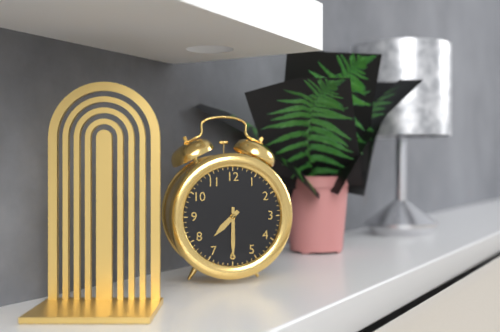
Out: 7,30
